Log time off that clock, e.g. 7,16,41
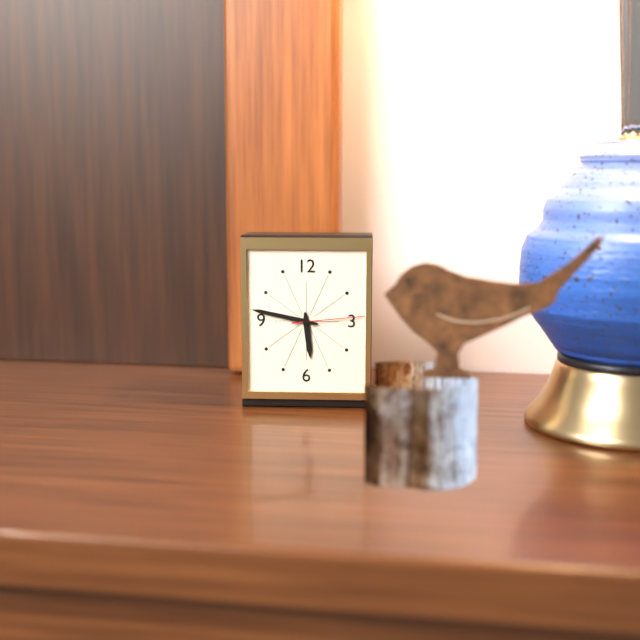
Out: 5,47,14
